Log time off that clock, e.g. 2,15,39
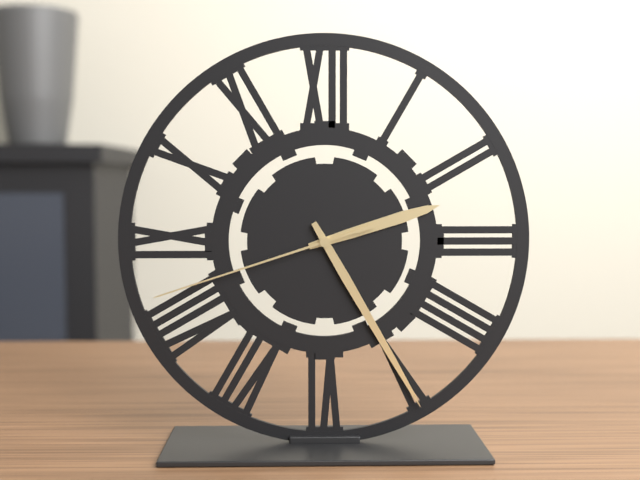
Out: 2,25,42
